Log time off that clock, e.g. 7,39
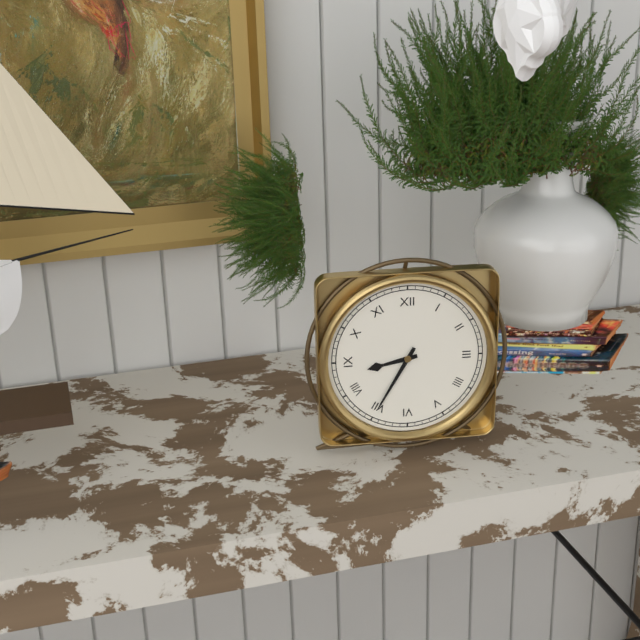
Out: 8,35
